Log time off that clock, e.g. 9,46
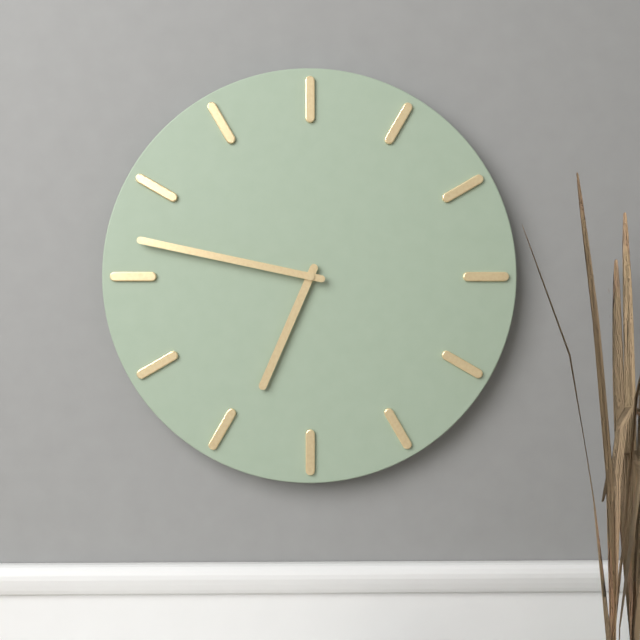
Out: 6,47
